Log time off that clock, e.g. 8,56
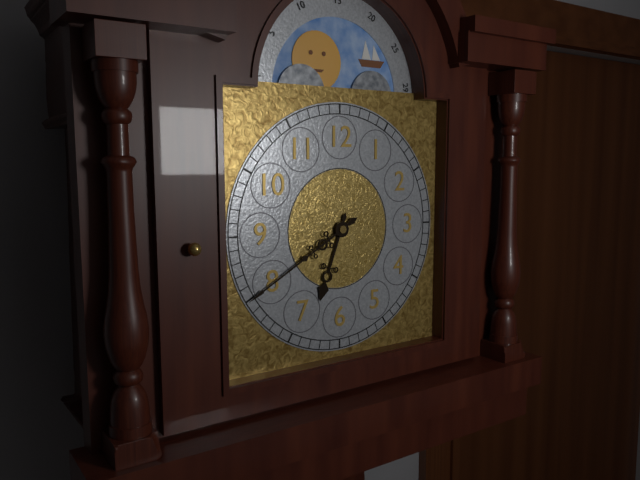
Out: 6,40
